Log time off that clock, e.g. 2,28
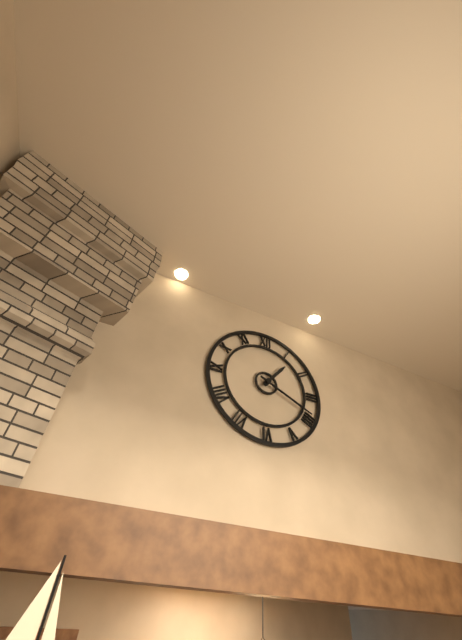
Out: 1,19
